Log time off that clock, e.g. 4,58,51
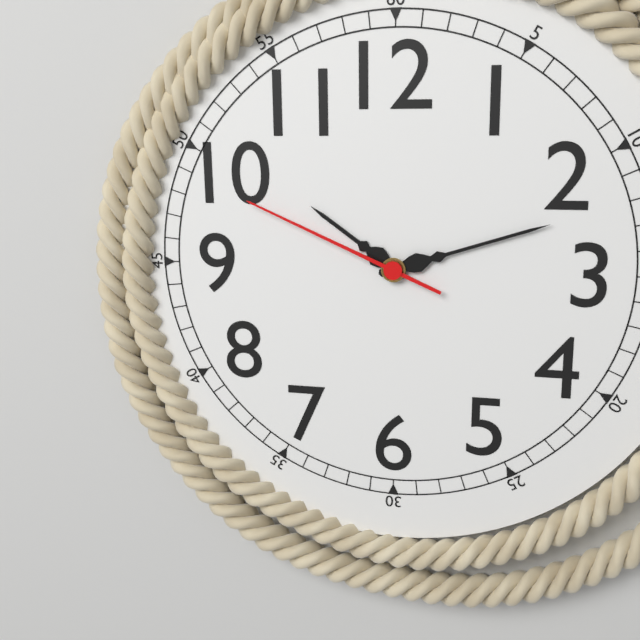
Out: 10,12,49
